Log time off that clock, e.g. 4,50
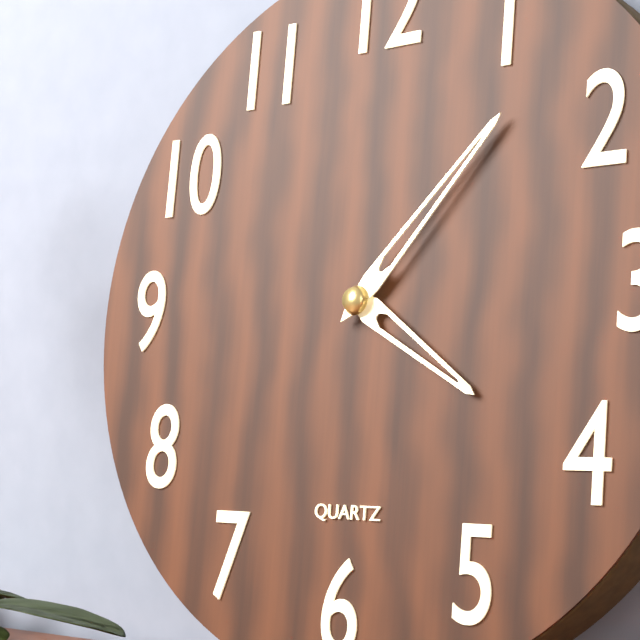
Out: 4,07
